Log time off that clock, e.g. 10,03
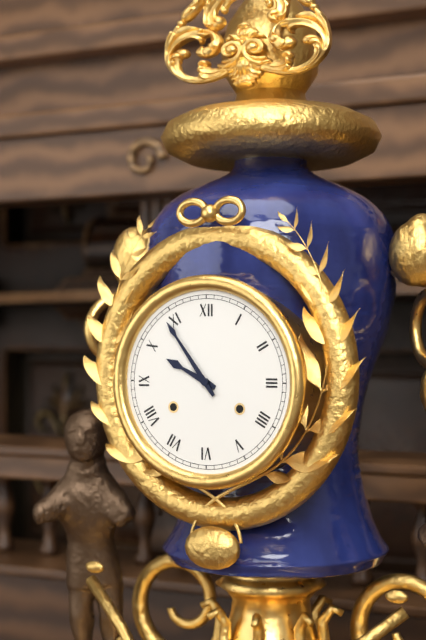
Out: 9,54
